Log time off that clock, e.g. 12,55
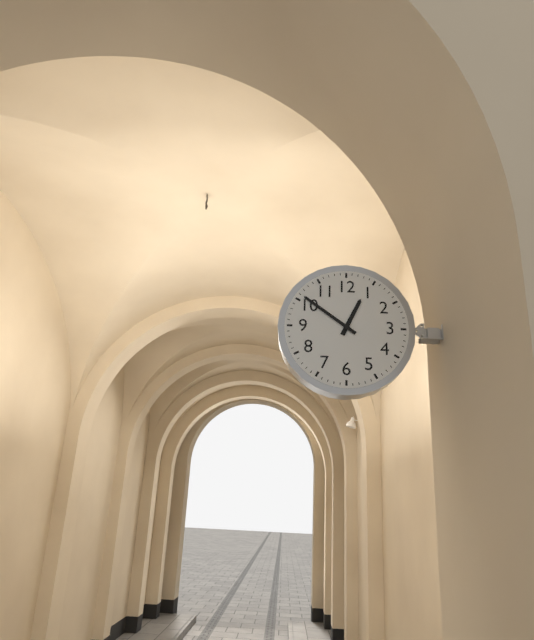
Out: 12,51
